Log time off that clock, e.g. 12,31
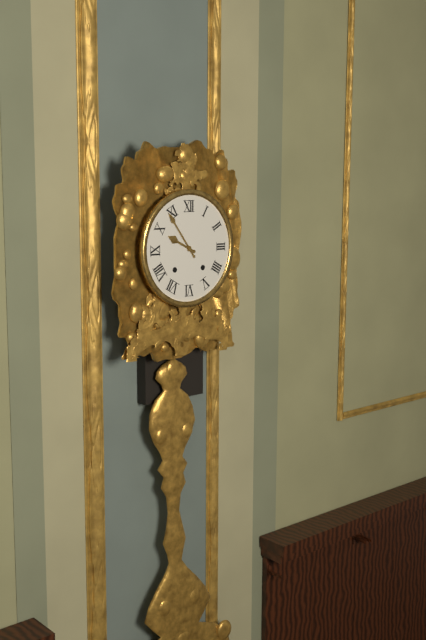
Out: 9,54
